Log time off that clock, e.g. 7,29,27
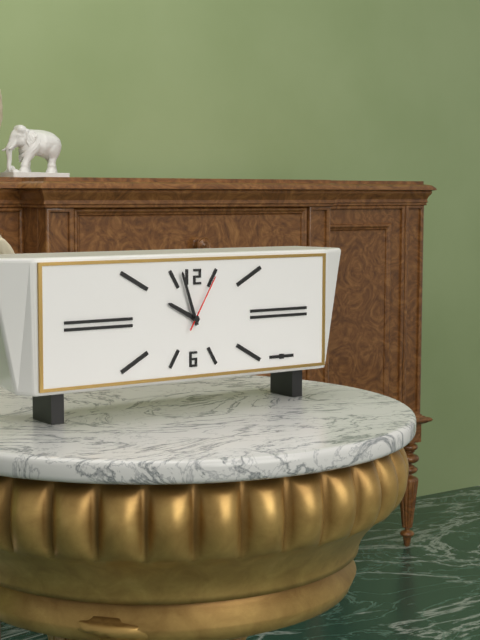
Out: 9,57,05
